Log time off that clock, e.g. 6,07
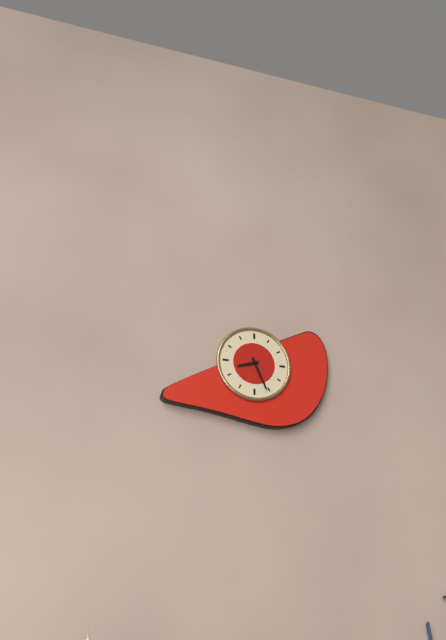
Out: 8,26
